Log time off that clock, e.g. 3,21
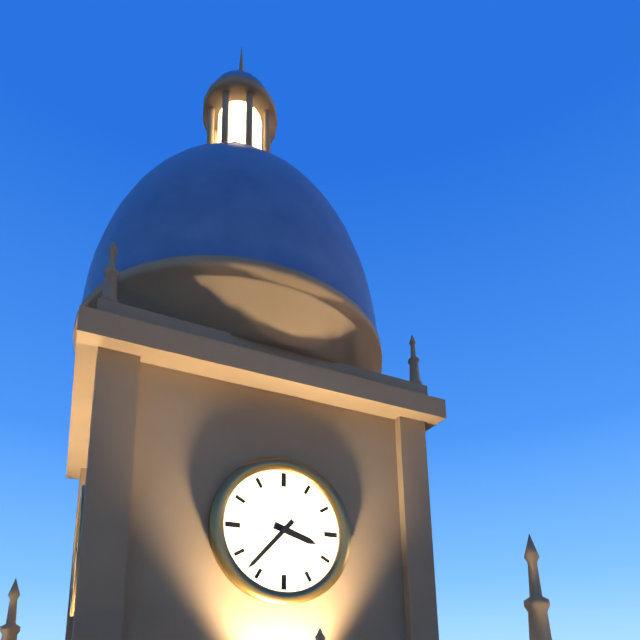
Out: 3,37
